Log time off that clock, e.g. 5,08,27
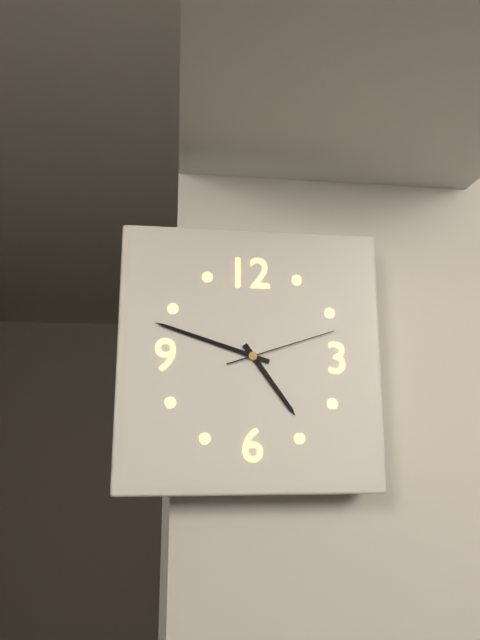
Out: 4,48,12
